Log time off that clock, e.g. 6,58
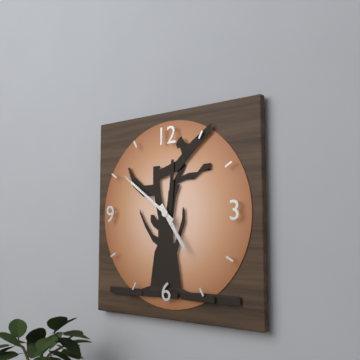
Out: 4,51
